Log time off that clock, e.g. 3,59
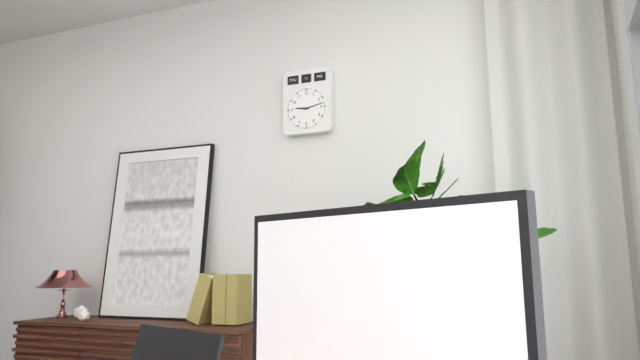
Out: 9,13
